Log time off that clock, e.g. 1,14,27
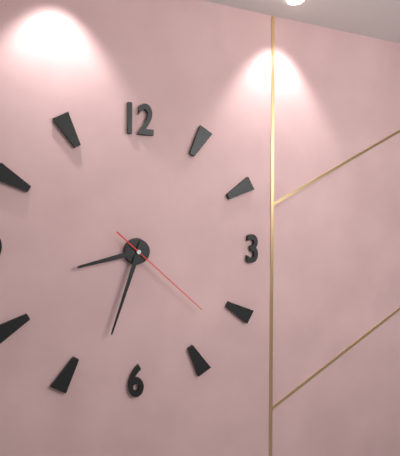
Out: 8,33,22
